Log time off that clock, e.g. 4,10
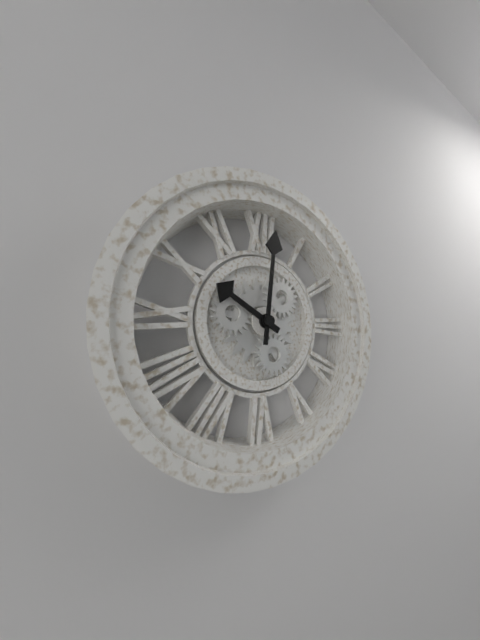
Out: 10,01
